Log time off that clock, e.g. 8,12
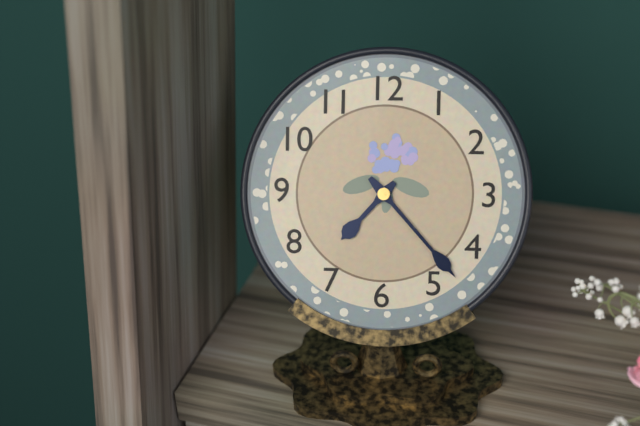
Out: 7,23
